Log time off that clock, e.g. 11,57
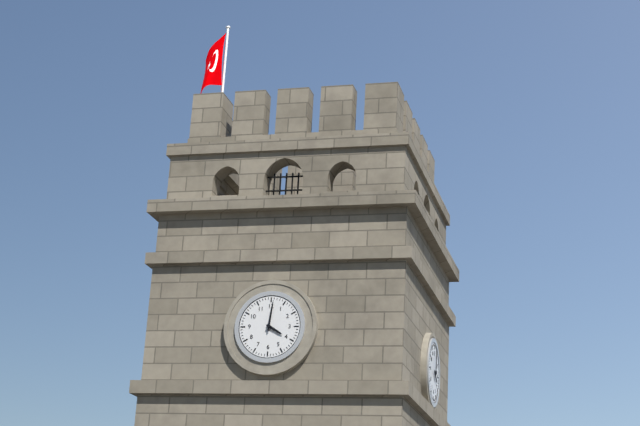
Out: 4,01
